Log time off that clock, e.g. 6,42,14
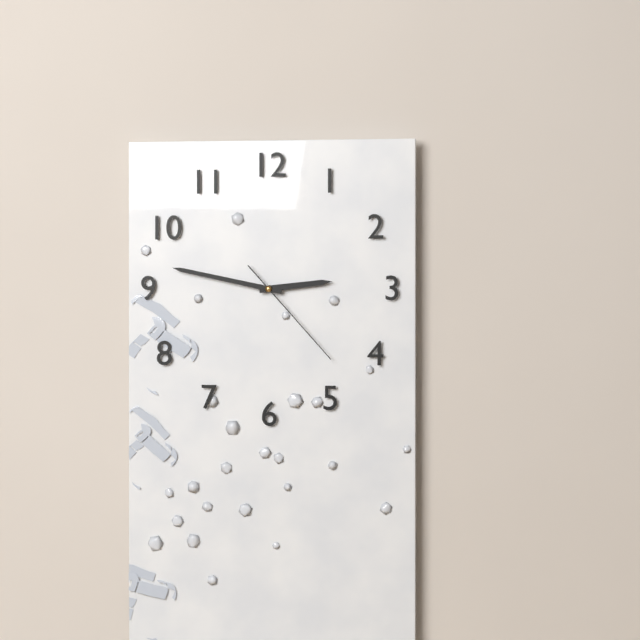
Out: 2,47,23
